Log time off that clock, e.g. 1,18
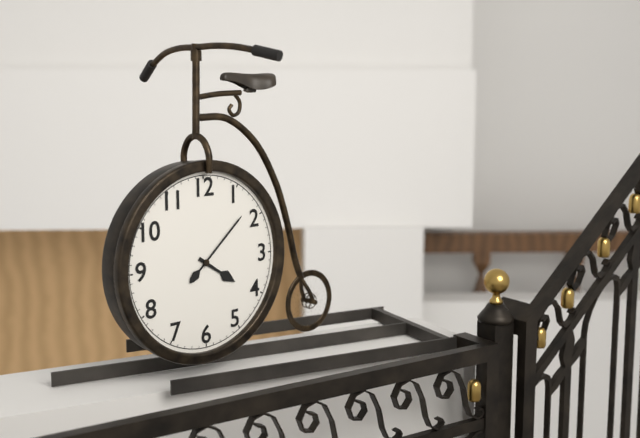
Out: 4,08
